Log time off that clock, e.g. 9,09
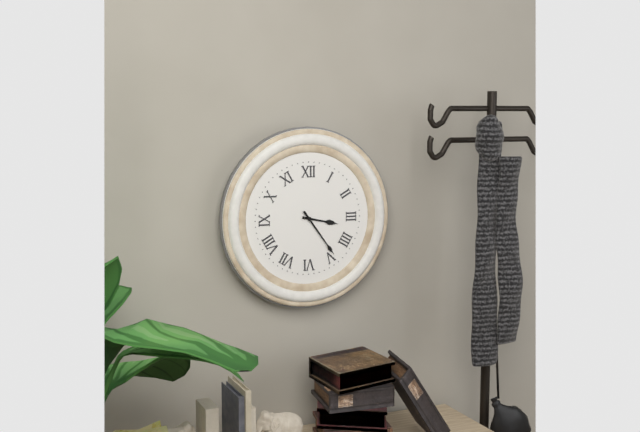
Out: 3,24
